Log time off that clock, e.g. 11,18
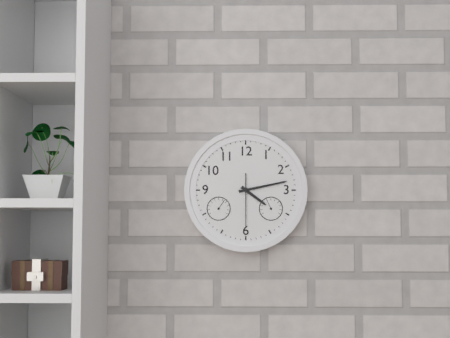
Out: 4,13
